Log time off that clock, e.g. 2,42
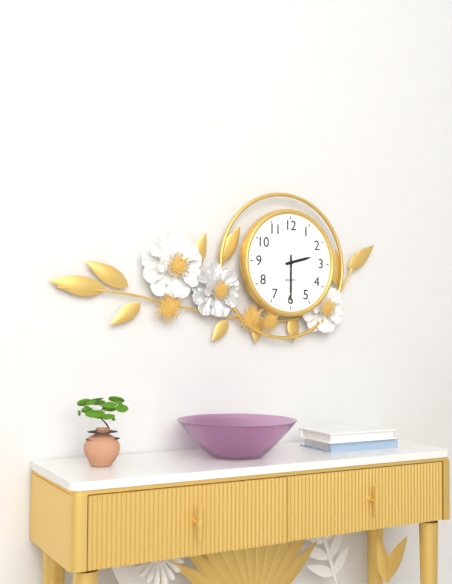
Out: 2,30
